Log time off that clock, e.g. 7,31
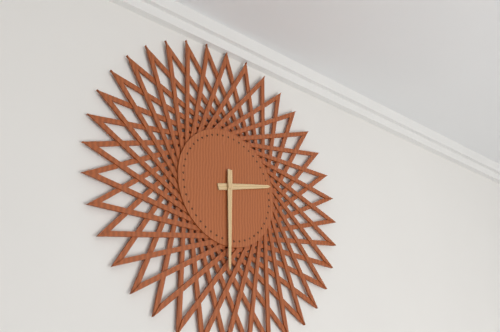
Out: 2,30
